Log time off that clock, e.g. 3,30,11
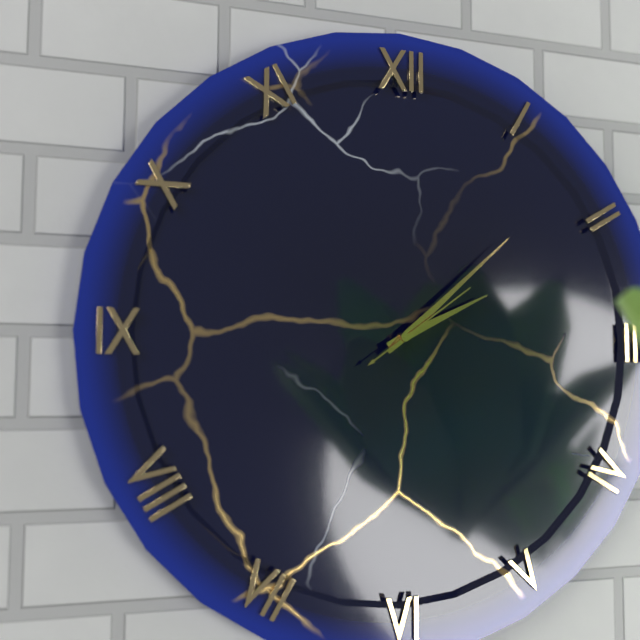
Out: 2,08,09
